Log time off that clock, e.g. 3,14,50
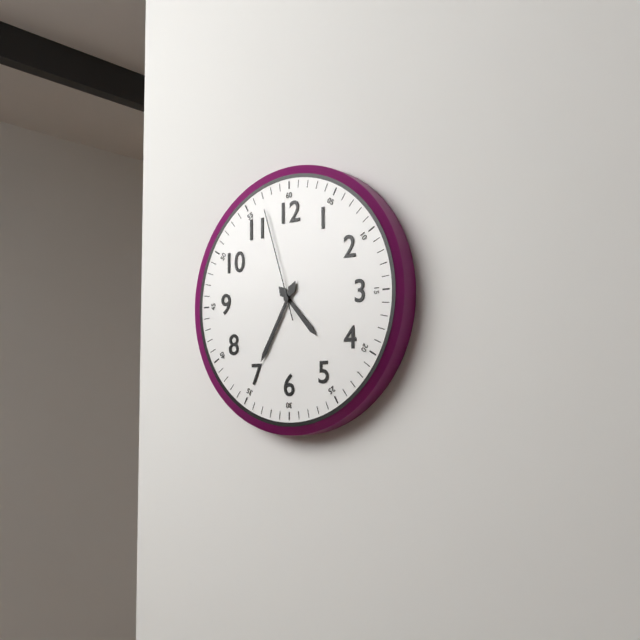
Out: 4,35,57
